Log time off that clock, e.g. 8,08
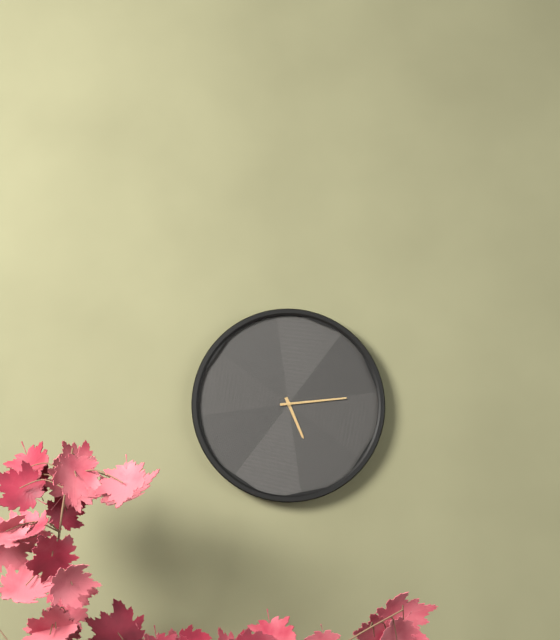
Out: 5,14
